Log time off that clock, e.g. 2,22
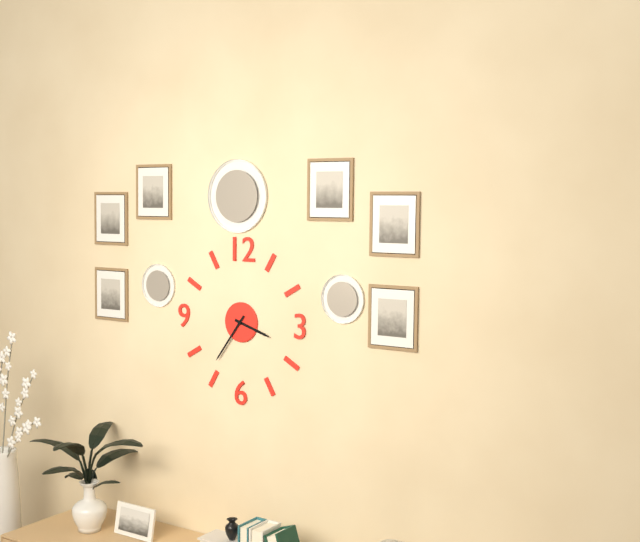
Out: 3,36
